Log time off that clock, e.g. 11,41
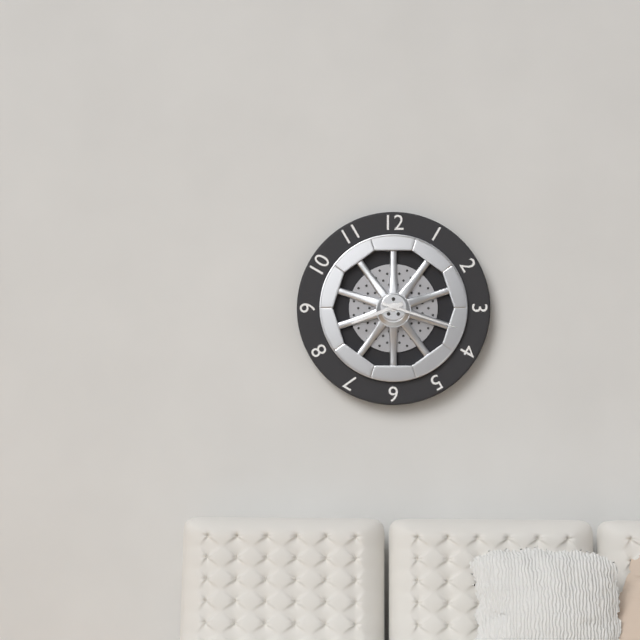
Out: 8,18
